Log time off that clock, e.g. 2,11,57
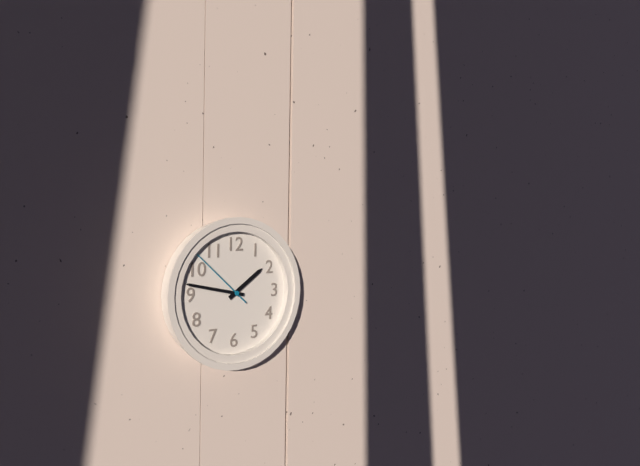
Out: 1,47,52
